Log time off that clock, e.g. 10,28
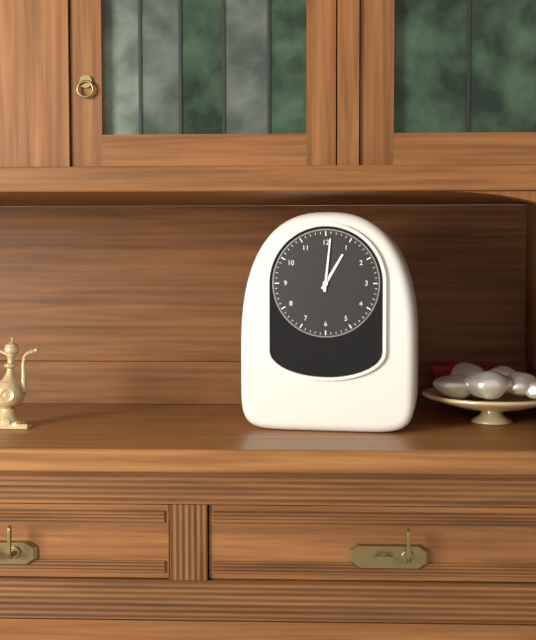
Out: 1,01
